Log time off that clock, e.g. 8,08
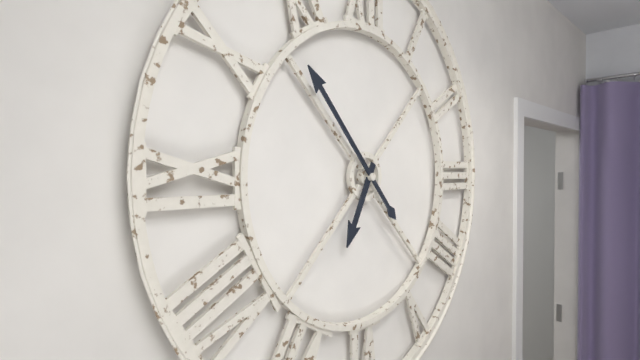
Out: 6,53
